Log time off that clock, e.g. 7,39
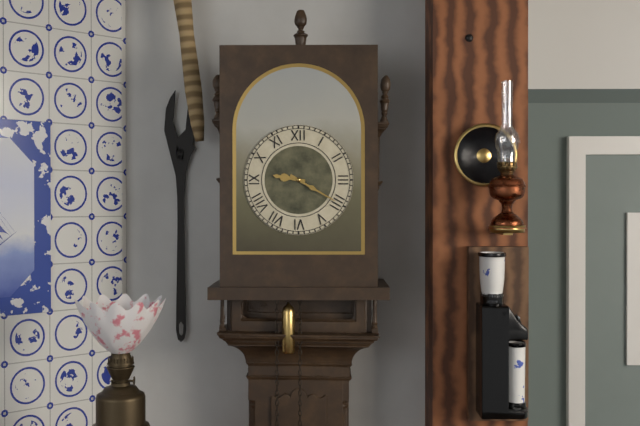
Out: 9,20
